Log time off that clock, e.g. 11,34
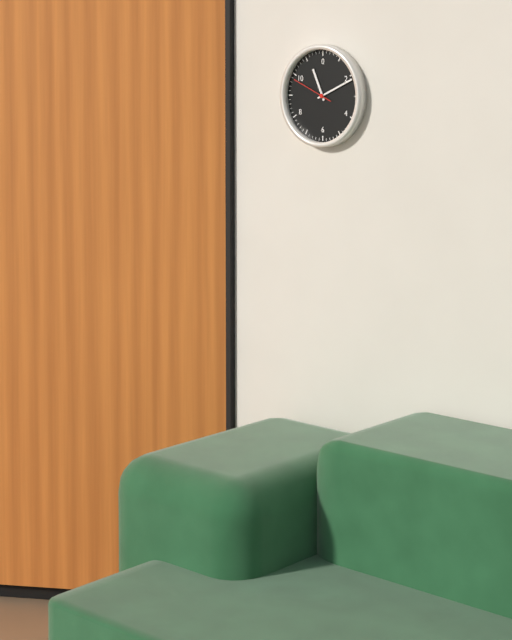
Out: 11,11
